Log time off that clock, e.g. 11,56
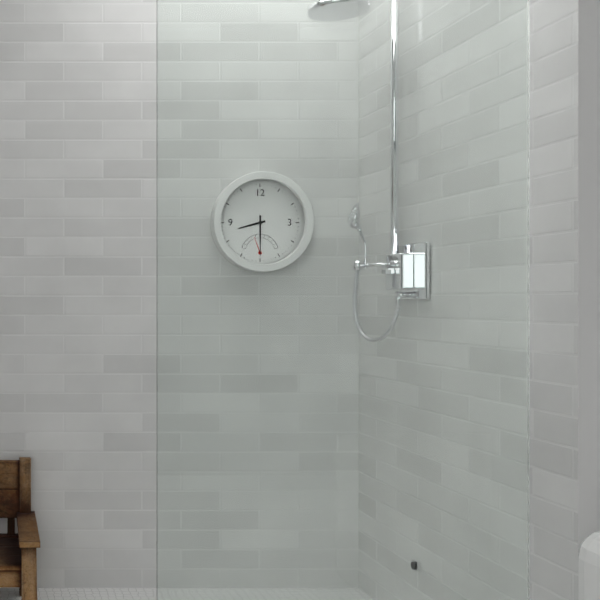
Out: 8,30
